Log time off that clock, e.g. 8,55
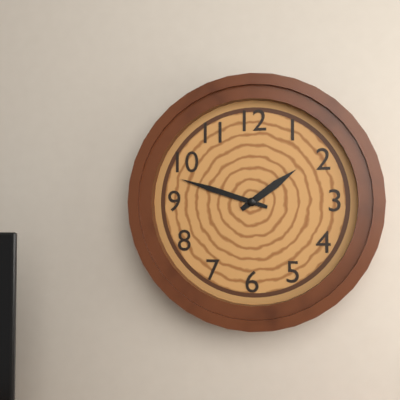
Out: 1,48
